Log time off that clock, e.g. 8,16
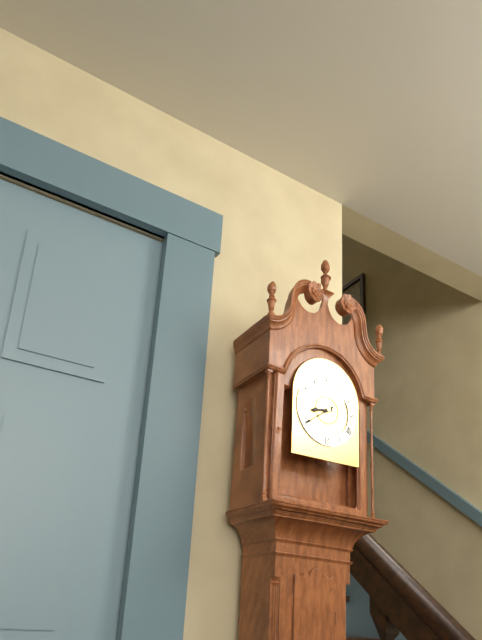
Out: 8,39
